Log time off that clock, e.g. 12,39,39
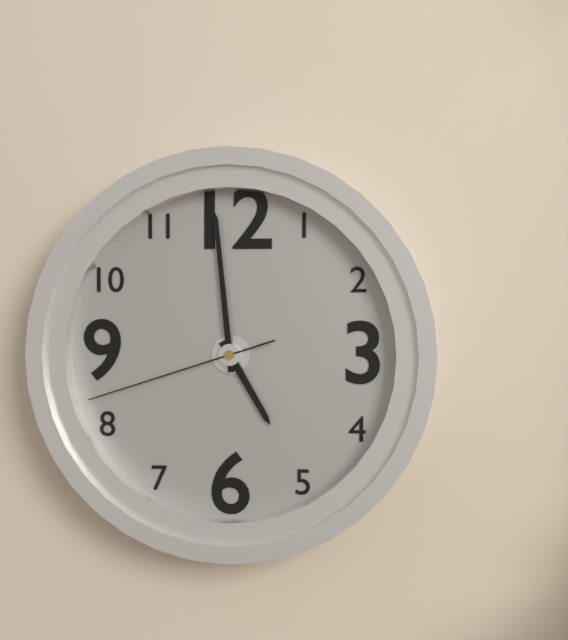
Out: 4,59,42
